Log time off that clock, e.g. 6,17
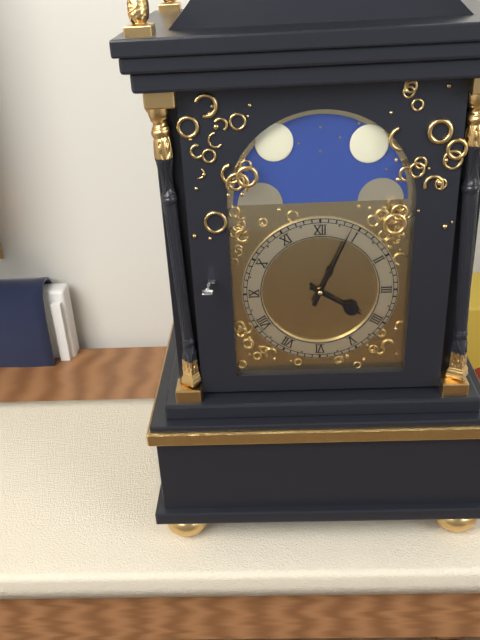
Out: 4,04
